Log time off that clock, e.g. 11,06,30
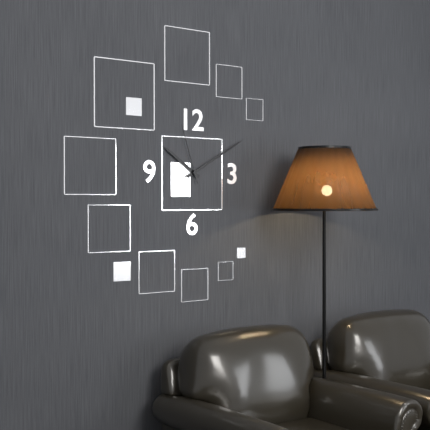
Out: 10,10,57
